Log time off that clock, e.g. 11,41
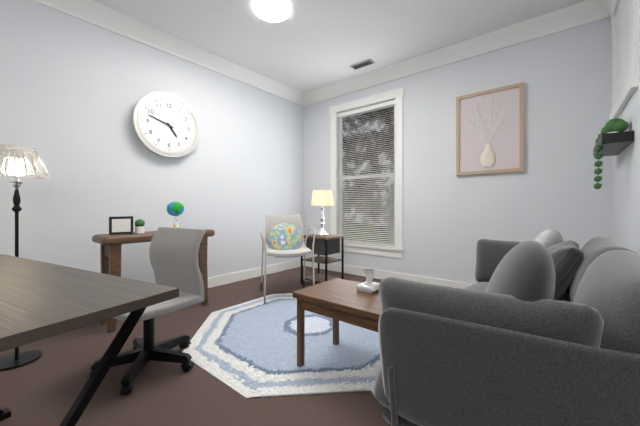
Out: 4,48
